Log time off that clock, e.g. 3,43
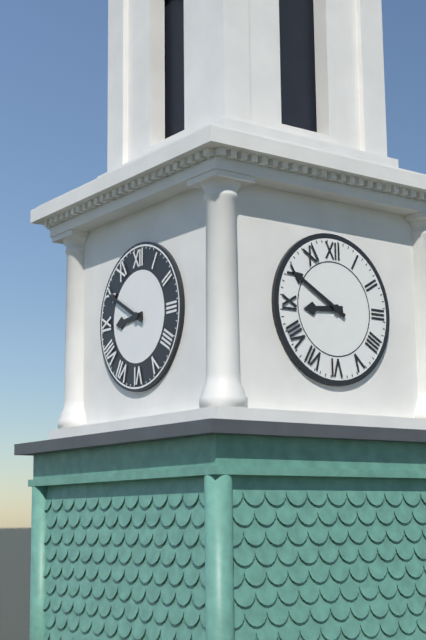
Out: 8,50
